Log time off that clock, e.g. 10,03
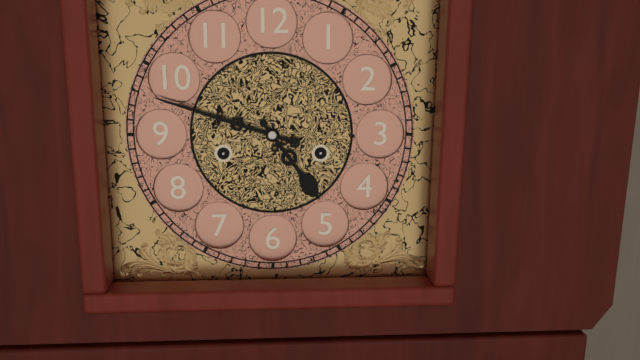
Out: 4,48
